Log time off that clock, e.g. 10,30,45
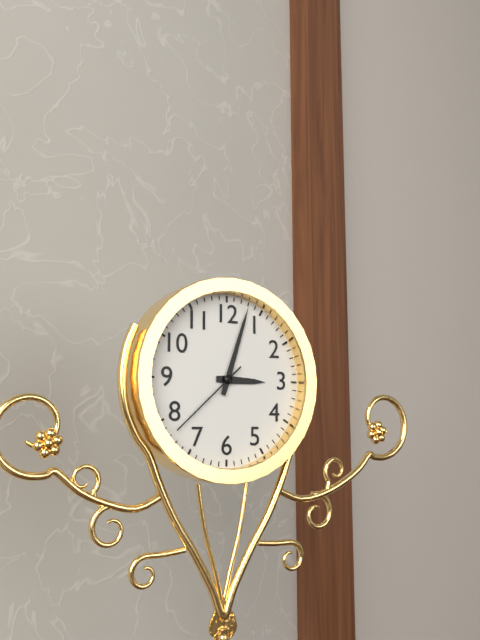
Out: 3,03,38
